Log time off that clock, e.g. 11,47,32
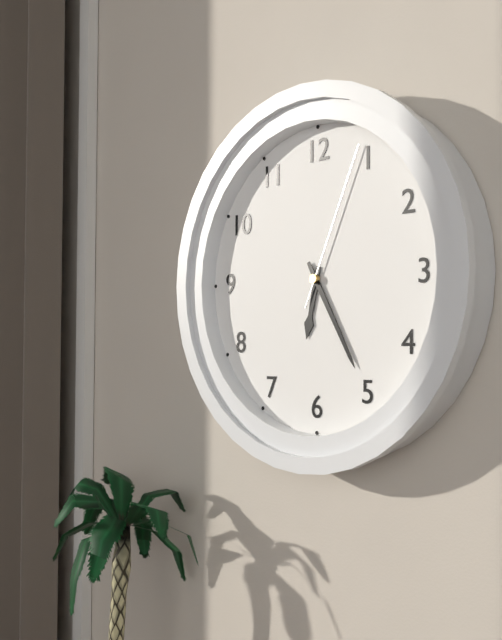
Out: 6,25,04
